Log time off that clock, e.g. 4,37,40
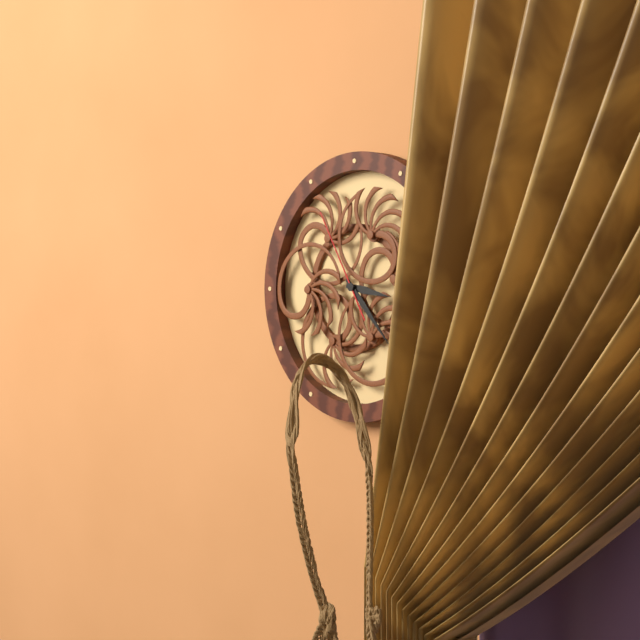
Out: 3,23,55
